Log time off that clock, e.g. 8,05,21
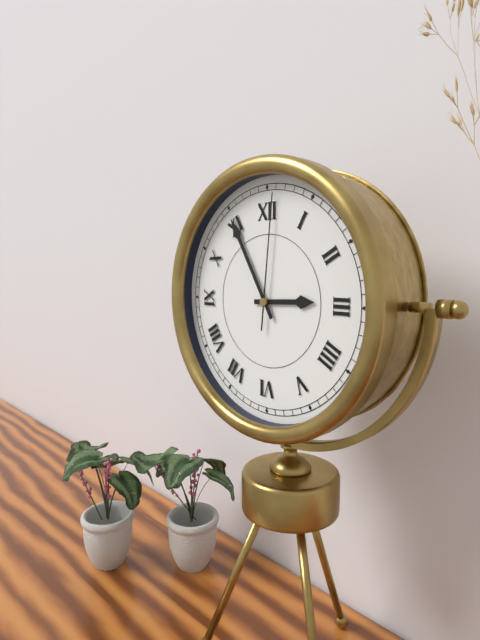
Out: 2,55,01
